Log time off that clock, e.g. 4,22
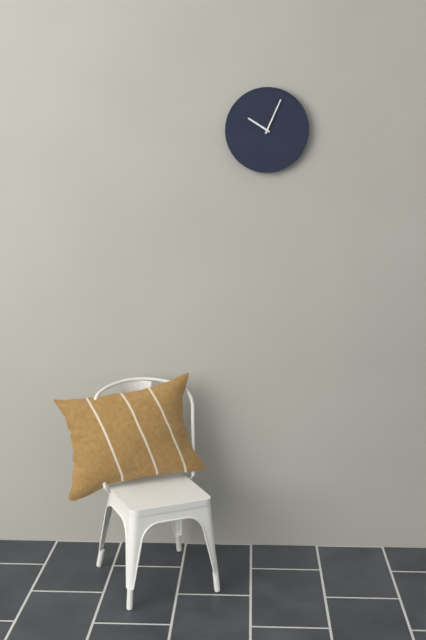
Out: 10,04
